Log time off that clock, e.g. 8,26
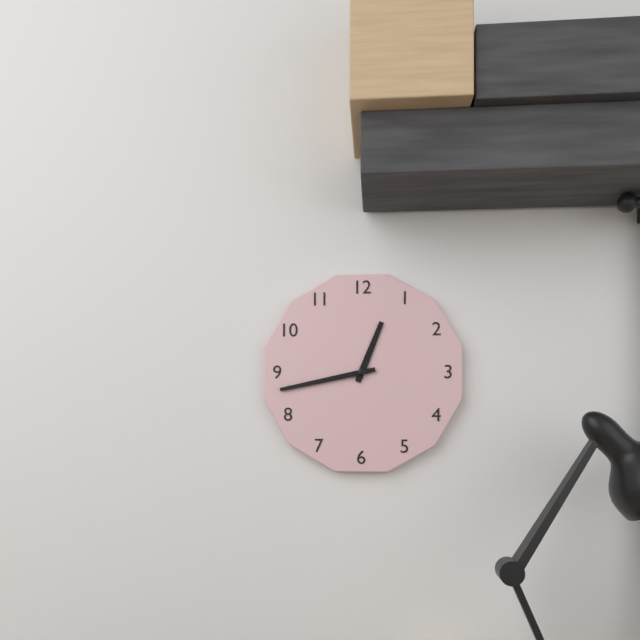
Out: 12,43
